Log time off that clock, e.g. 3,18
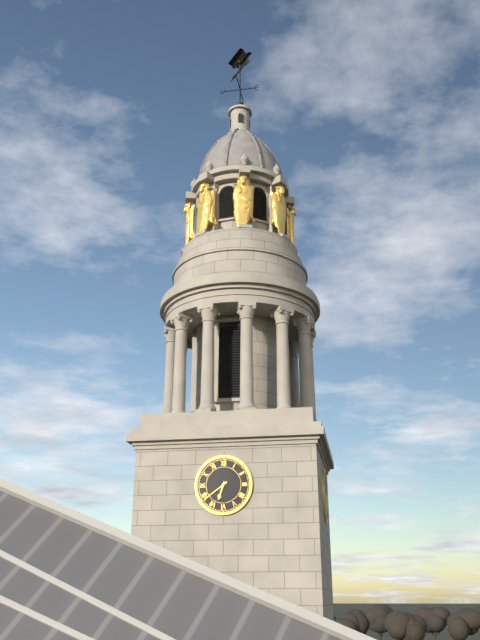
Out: 6,39
